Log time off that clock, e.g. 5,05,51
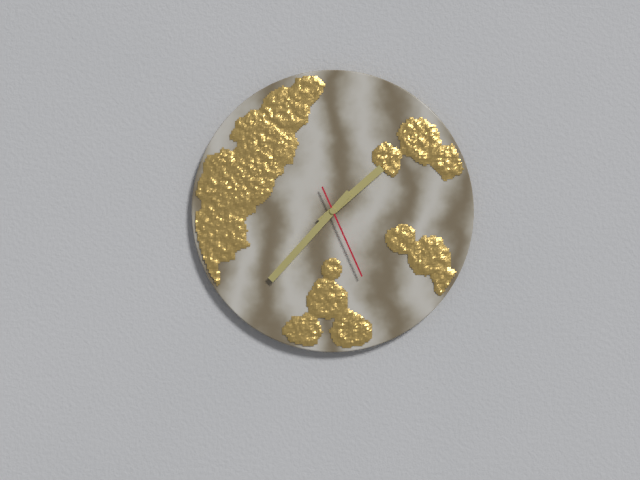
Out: 1,37,26
